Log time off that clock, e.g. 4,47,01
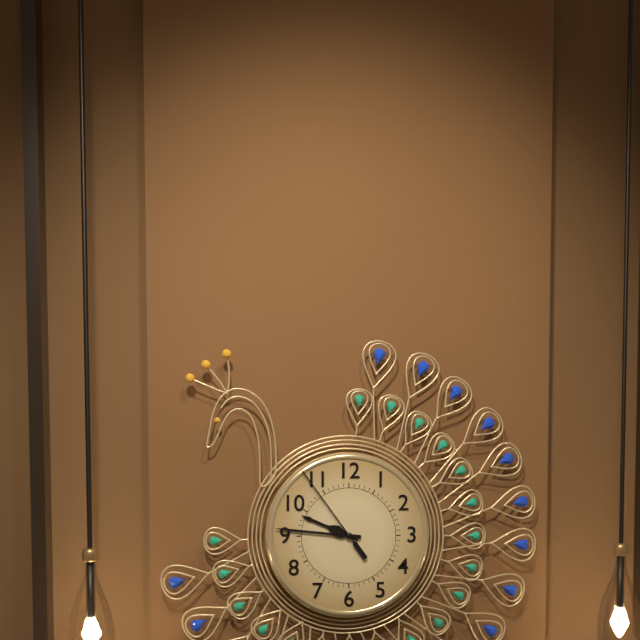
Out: 9,46,54
